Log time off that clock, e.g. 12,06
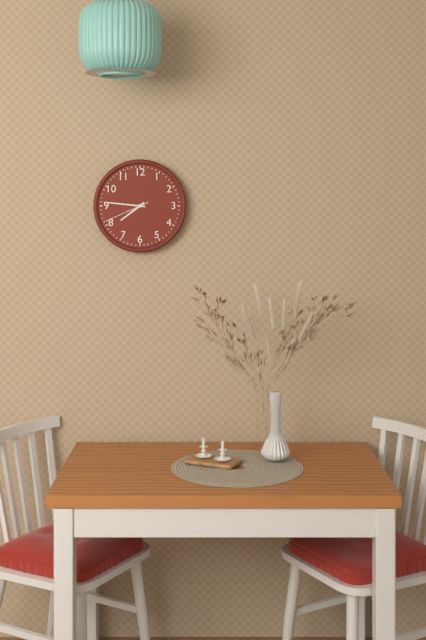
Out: 7,46
